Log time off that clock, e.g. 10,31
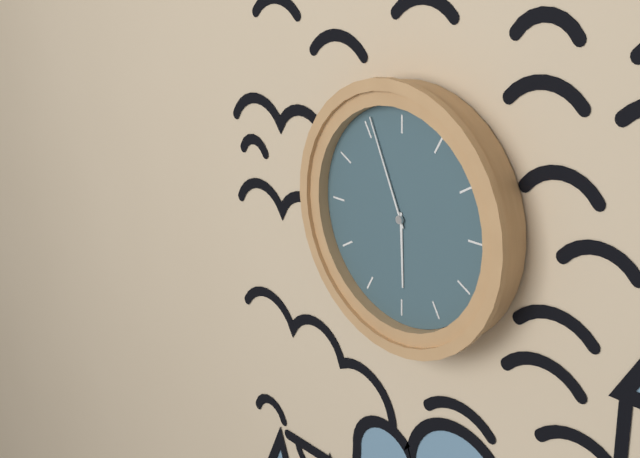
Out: 5,56
